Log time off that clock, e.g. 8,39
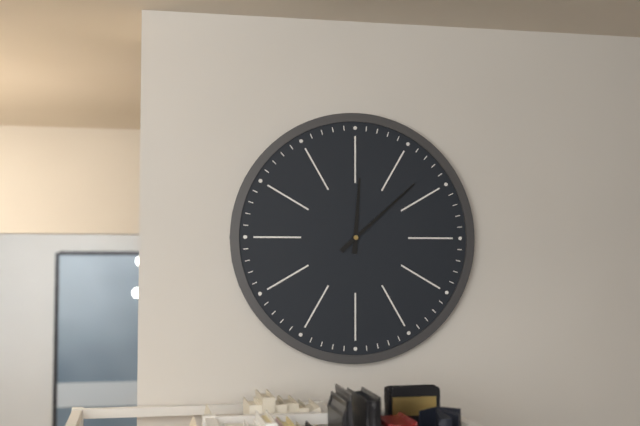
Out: 12,08
